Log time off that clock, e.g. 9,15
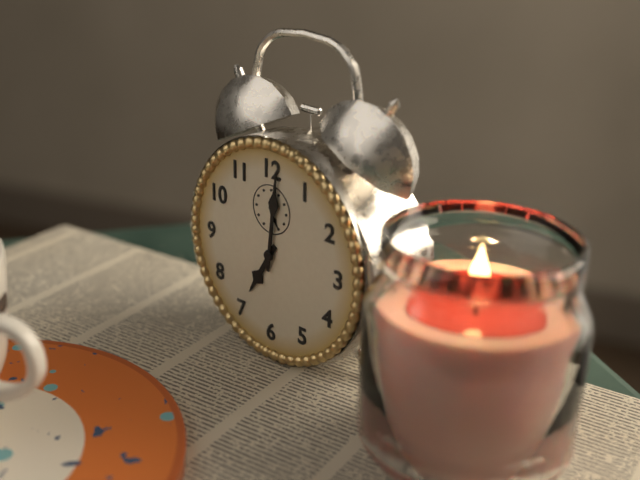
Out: 7,01
